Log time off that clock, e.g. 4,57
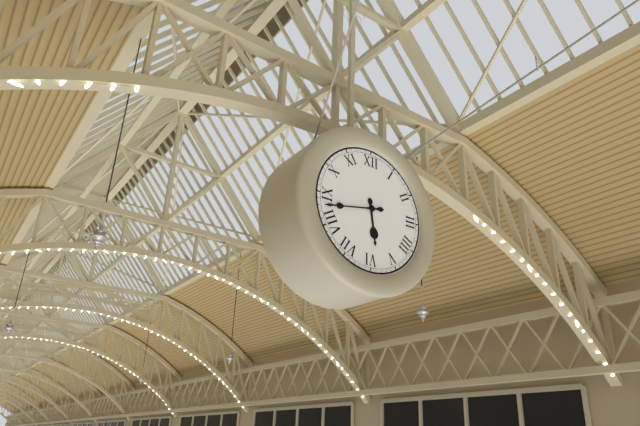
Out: 5,43
